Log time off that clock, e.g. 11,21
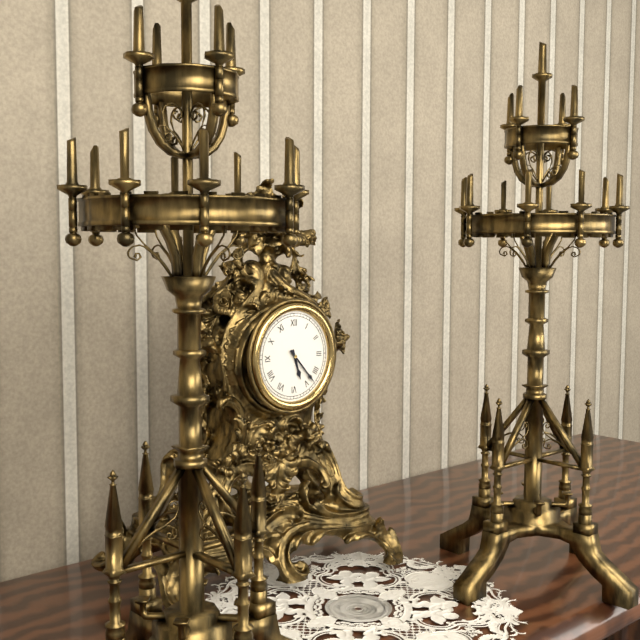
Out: 5,23
